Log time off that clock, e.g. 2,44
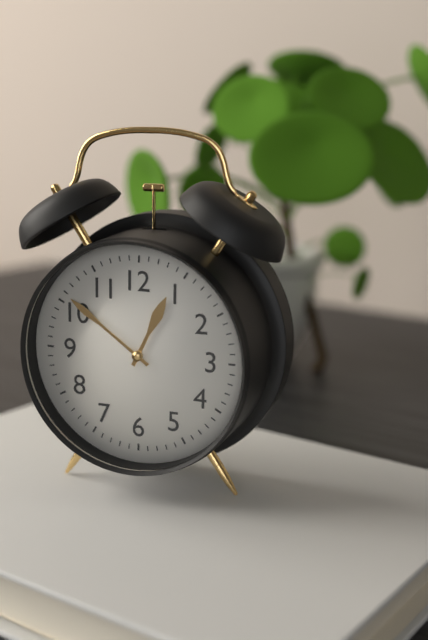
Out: 12,51
